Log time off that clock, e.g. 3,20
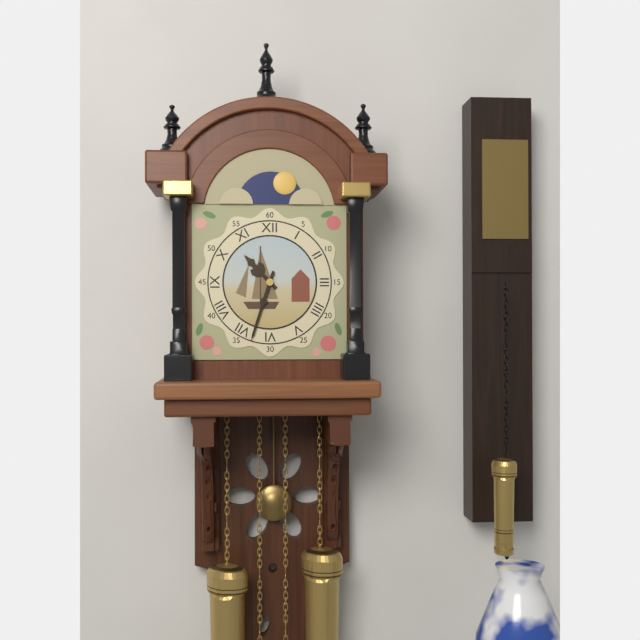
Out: 10,33
